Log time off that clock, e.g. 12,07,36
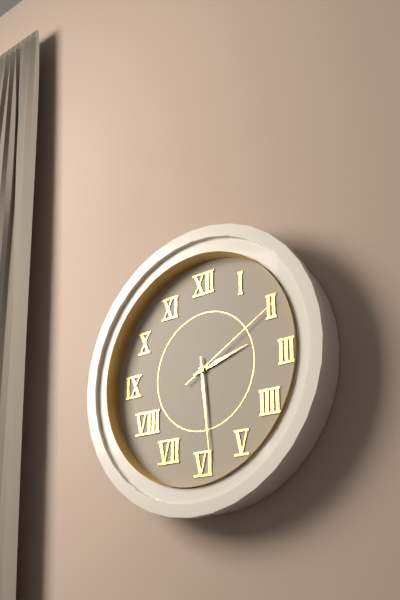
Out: 2,29,10
